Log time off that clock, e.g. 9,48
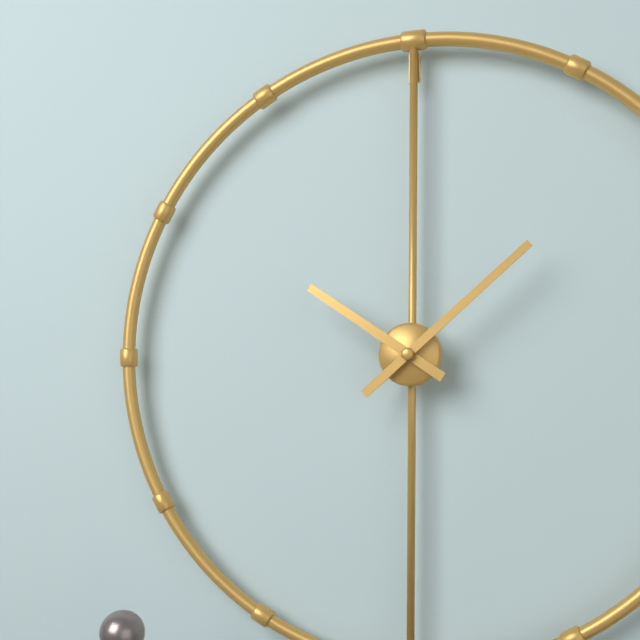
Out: 10,08
